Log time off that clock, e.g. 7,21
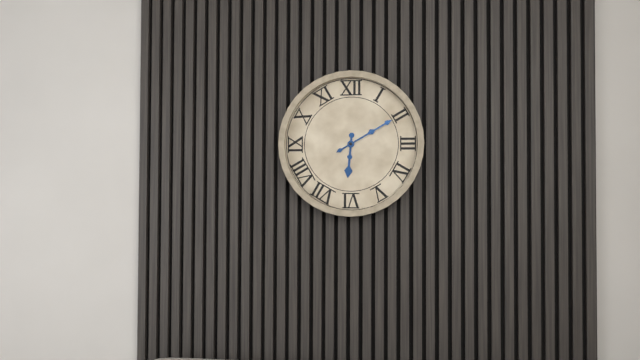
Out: 6,10
